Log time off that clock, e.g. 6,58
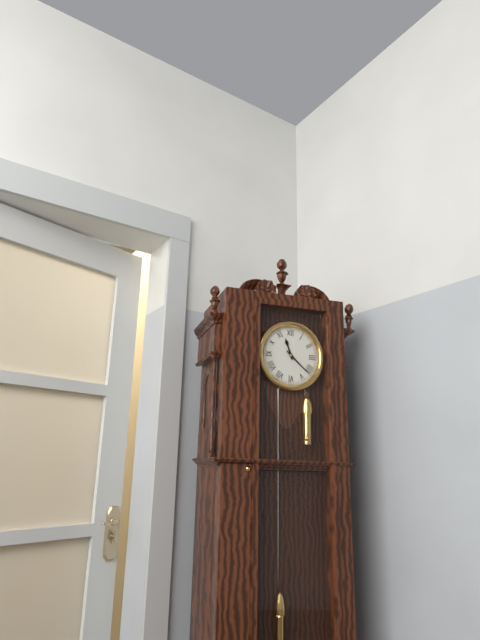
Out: 11,22
